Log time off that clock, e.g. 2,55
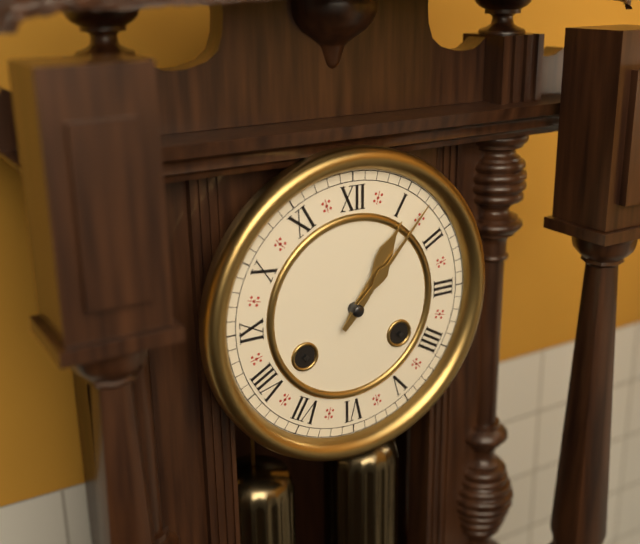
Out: 1,07
